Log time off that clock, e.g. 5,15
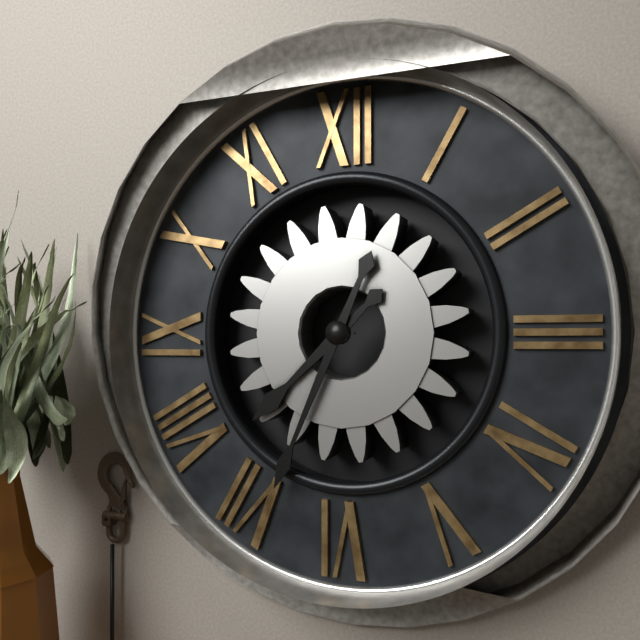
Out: 7,34
